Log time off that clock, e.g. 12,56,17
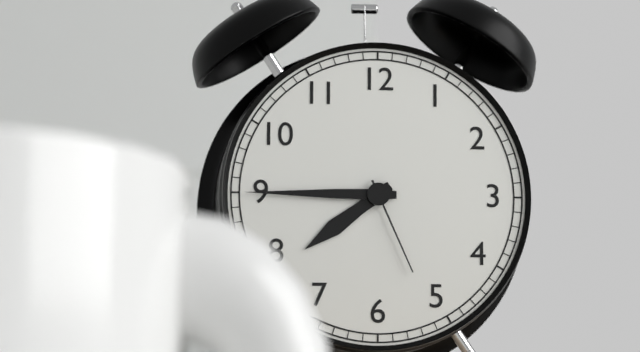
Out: 7,45,26
